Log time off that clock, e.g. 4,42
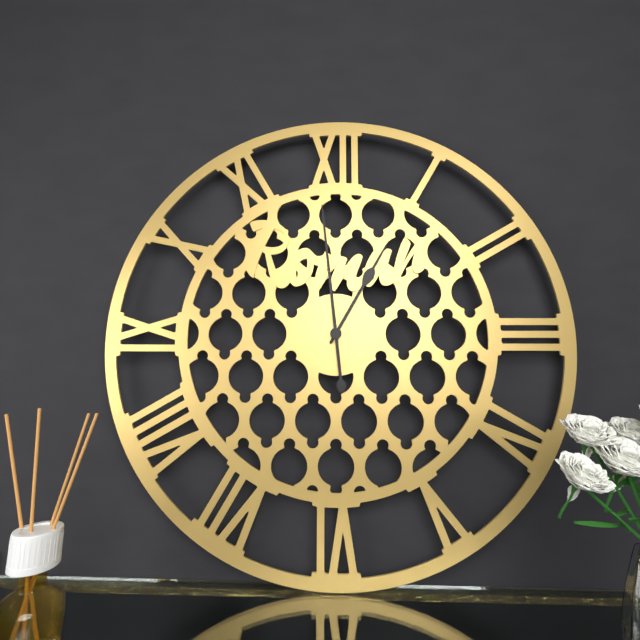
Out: 12,59
